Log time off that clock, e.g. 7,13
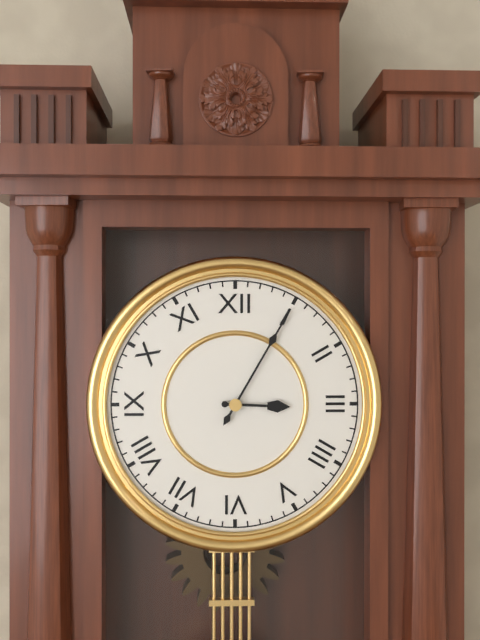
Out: 3,05
